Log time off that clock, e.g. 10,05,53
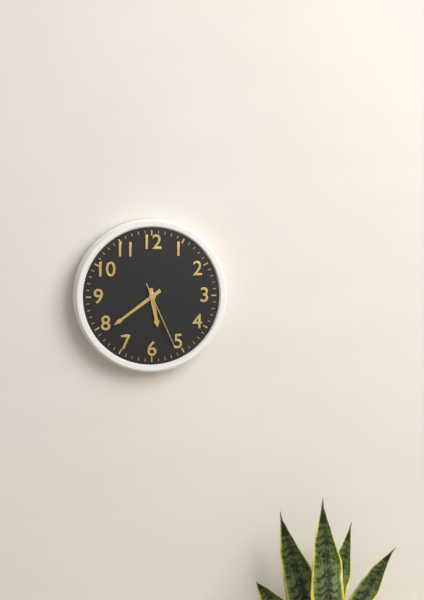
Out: 5,39,26
